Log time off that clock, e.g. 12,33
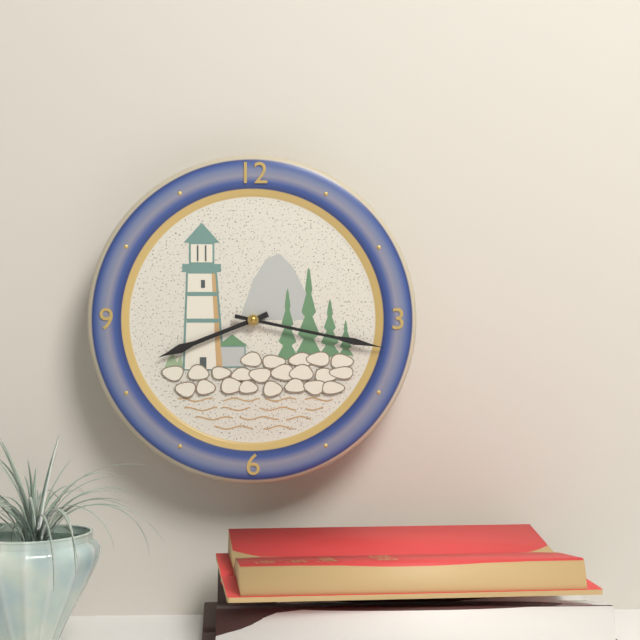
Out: 8,17
